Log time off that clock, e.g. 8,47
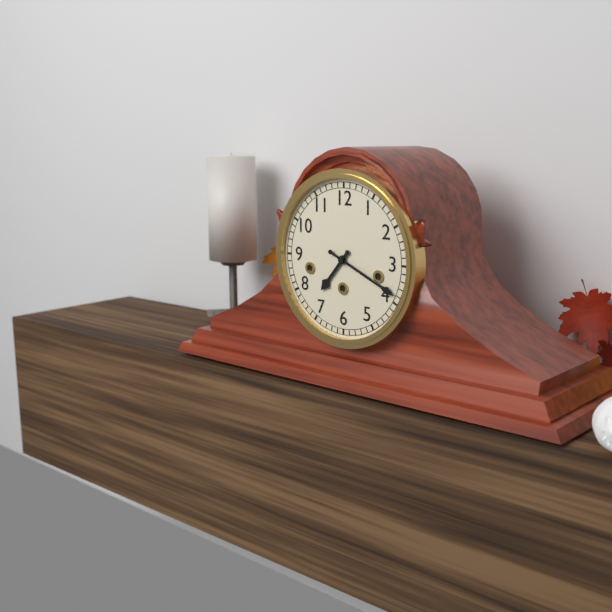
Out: 7,19
